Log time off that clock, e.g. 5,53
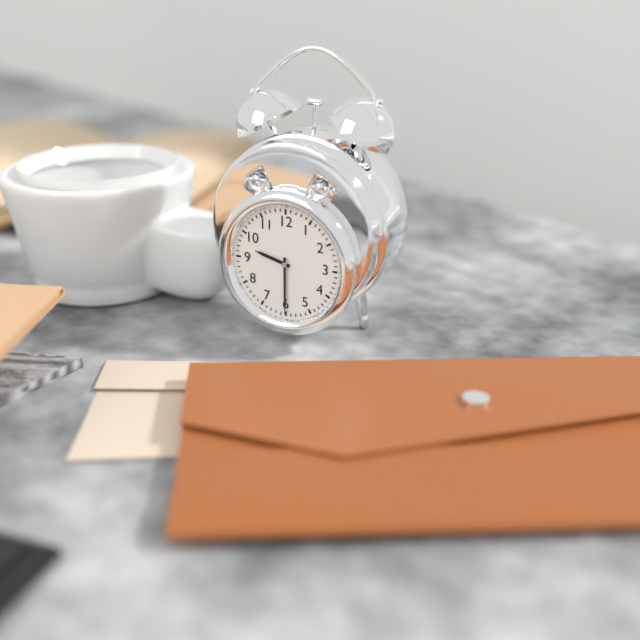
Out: 9,30
